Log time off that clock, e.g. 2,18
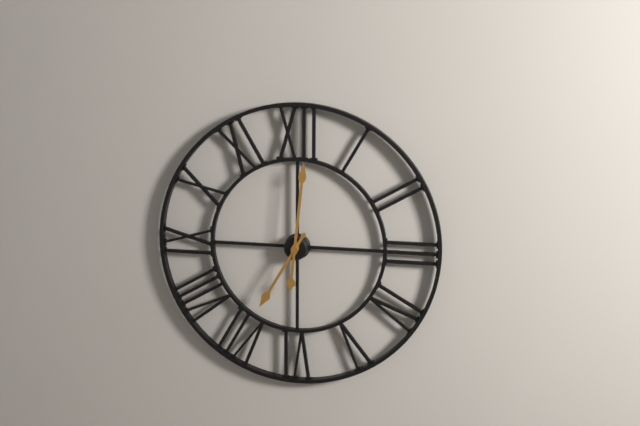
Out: 7,01
